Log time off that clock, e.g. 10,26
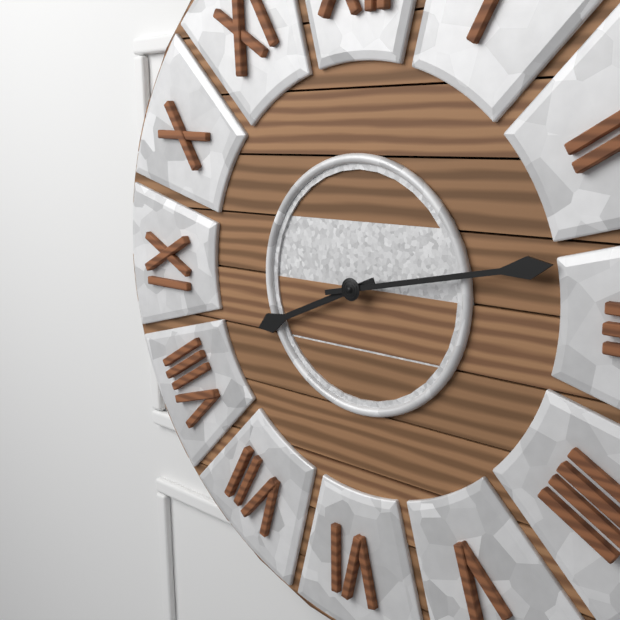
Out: 8,13
